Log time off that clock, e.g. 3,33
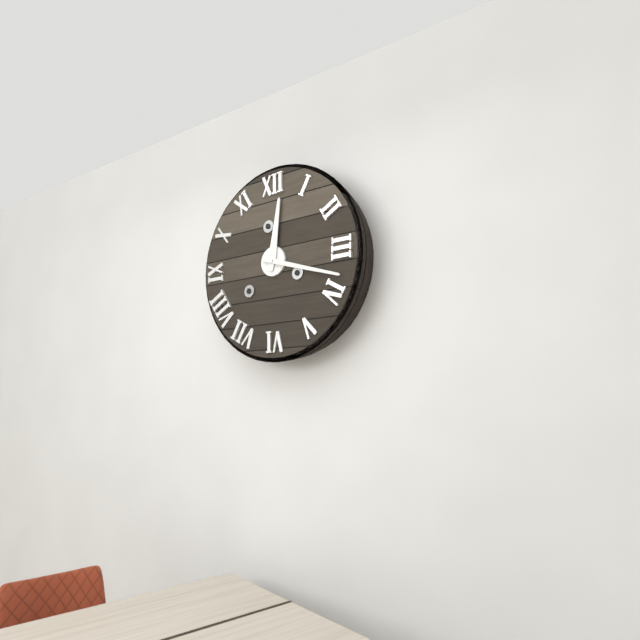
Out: 12,18
